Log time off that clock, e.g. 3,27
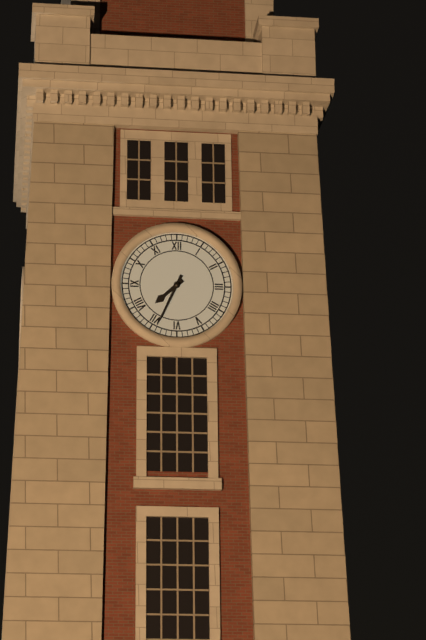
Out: 7,34
